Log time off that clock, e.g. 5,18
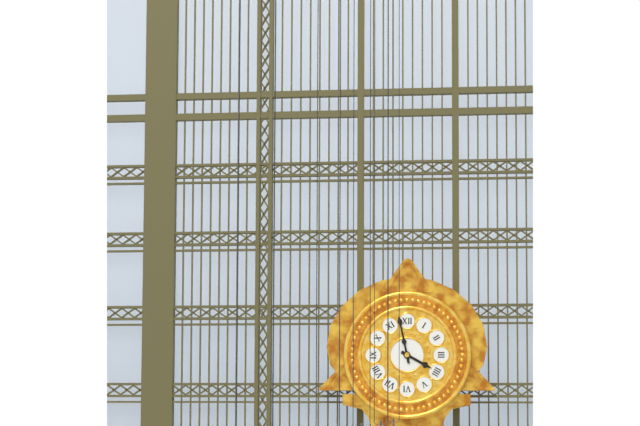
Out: 3,58
